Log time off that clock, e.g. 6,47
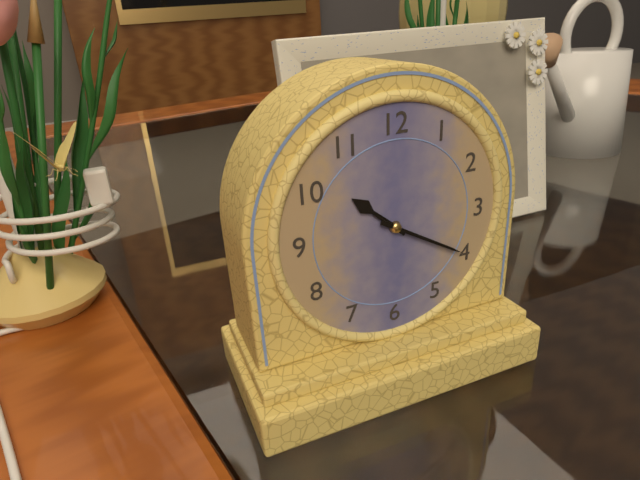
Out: 10,20
